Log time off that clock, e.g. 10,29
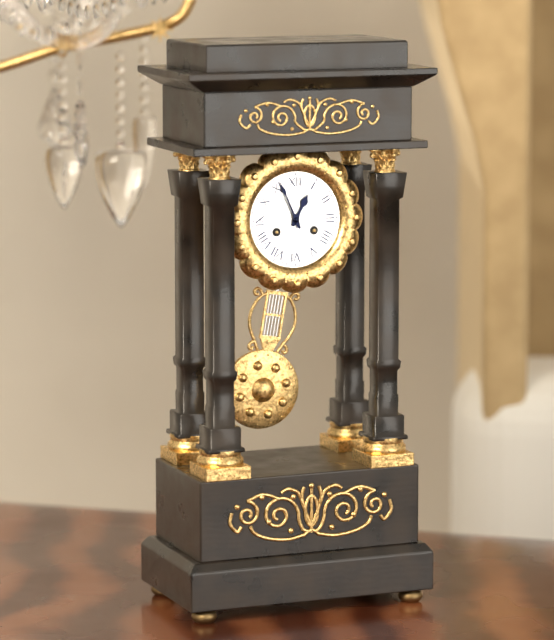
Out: 12,56
